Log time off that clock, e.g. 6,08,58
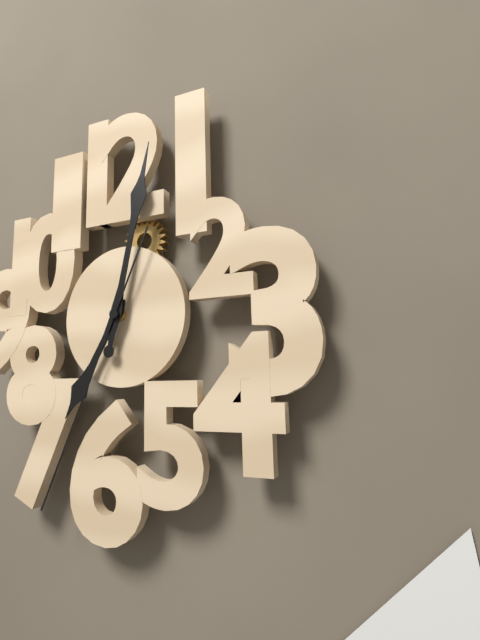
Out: 7,02,34
